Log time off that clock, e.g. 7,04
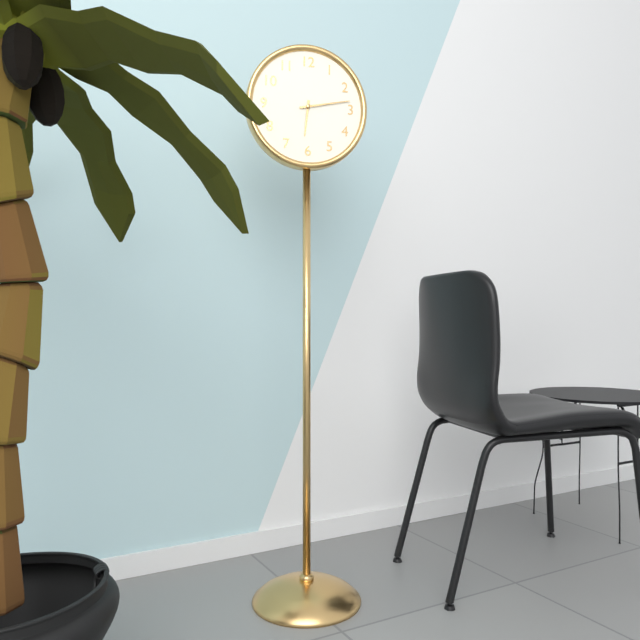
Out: 6,13
